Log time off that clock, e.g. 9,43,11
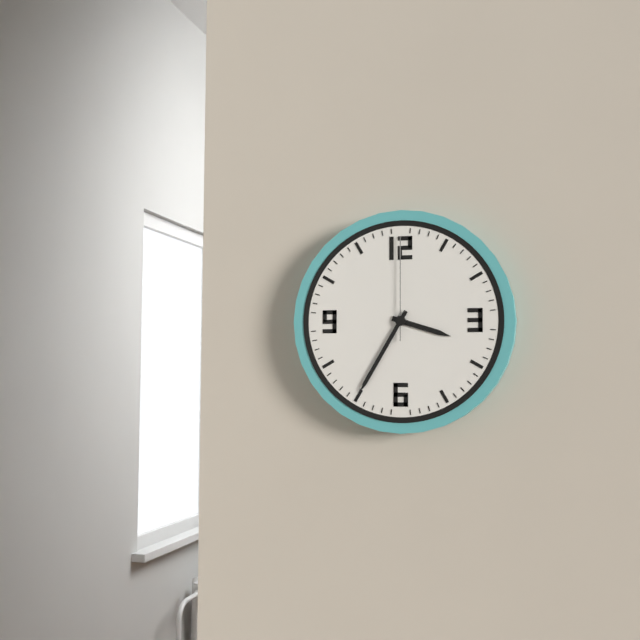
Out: 3,35,00
